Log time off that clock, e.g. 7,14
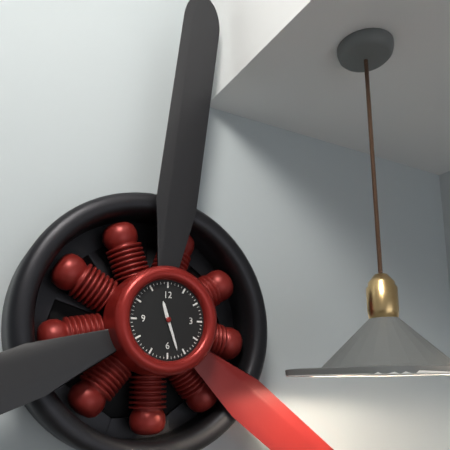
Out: 11,27
